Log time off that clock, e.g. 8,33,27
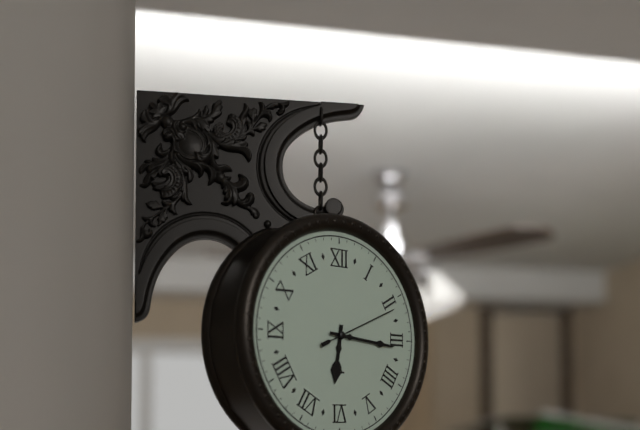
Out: 6,16,11
